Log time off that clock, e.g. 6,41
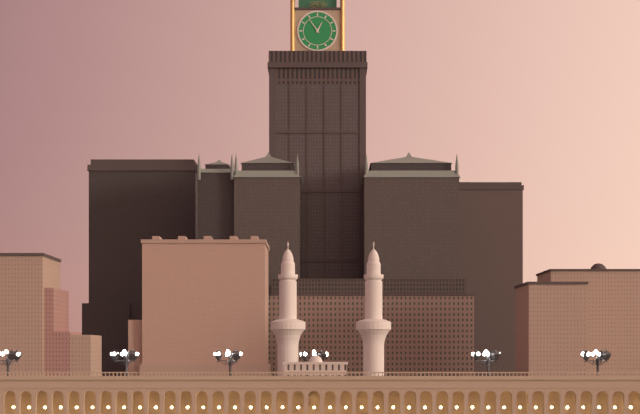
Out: 12,54
